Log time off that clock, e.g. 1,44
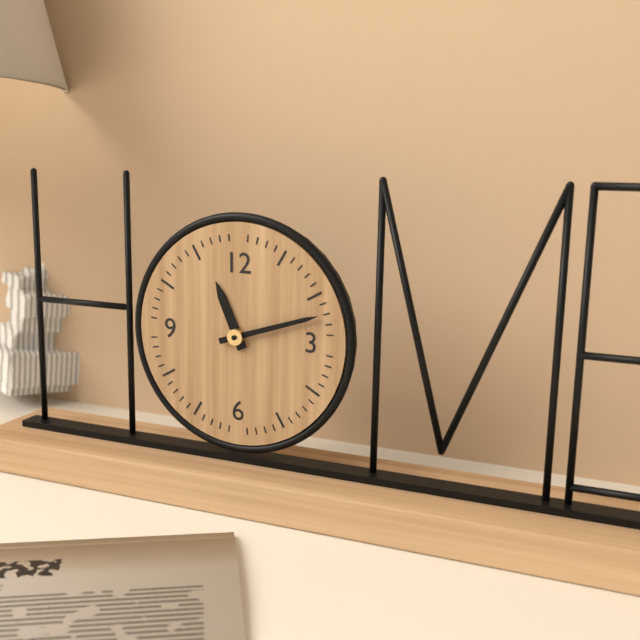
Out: 11,12
